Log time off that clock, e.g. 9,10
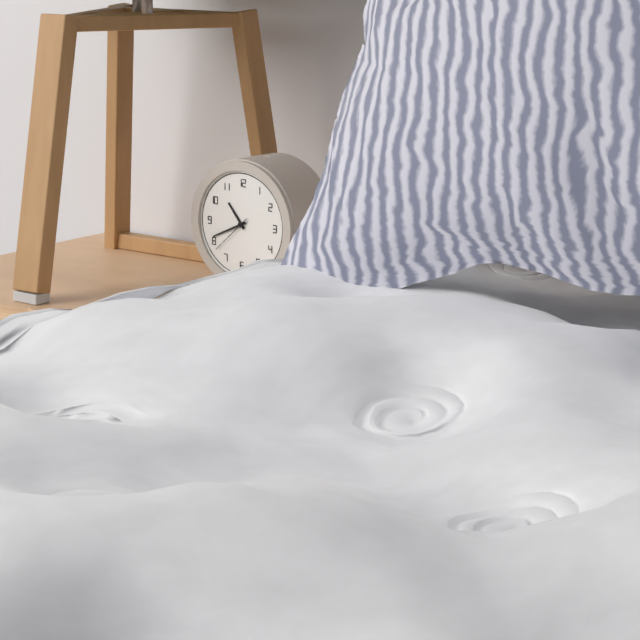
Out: 10,41
